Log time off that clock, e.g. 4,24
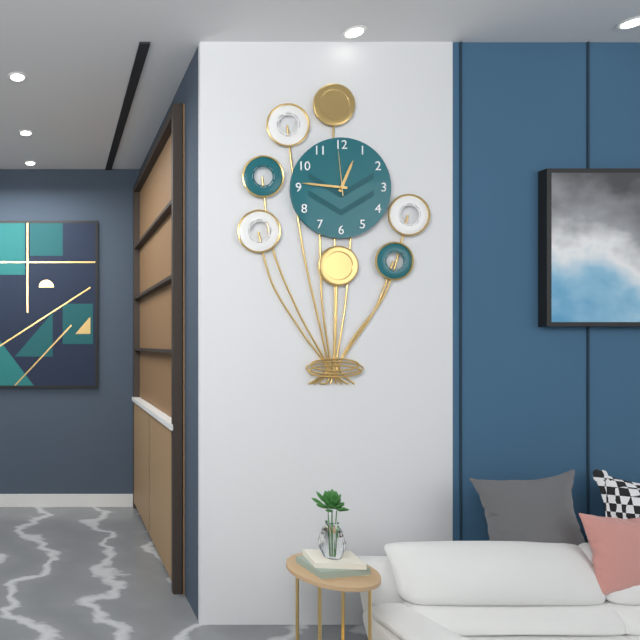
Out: 12,46
